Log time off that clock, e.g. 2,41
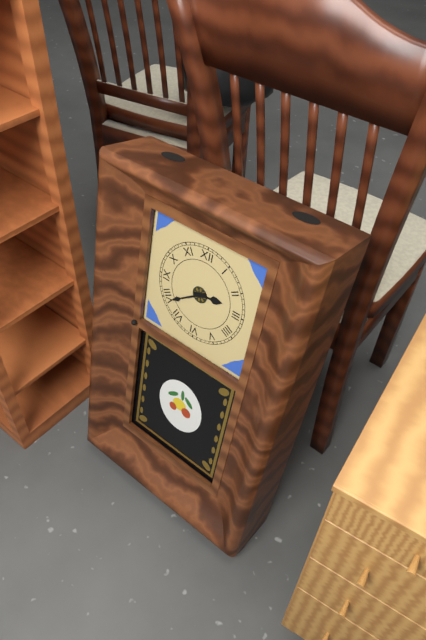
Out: 2,39
